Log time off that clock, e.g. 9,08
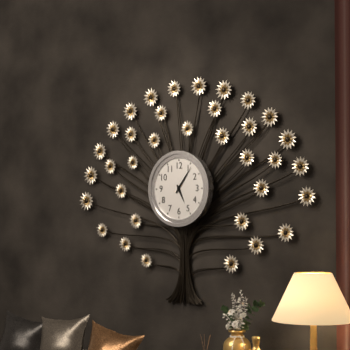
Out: 5,06
